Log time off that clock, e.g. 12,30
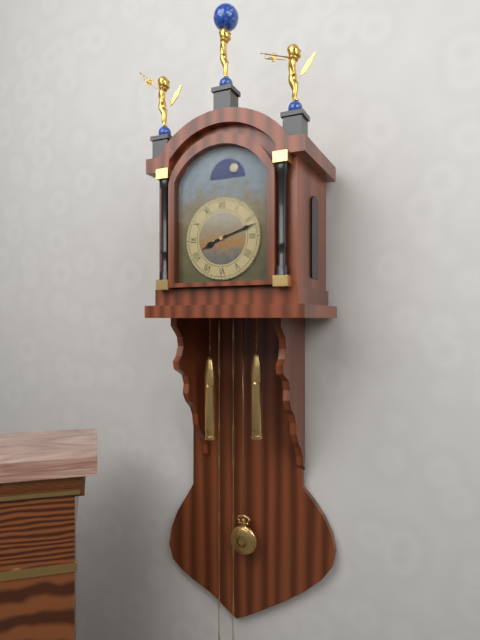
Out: 8,12
